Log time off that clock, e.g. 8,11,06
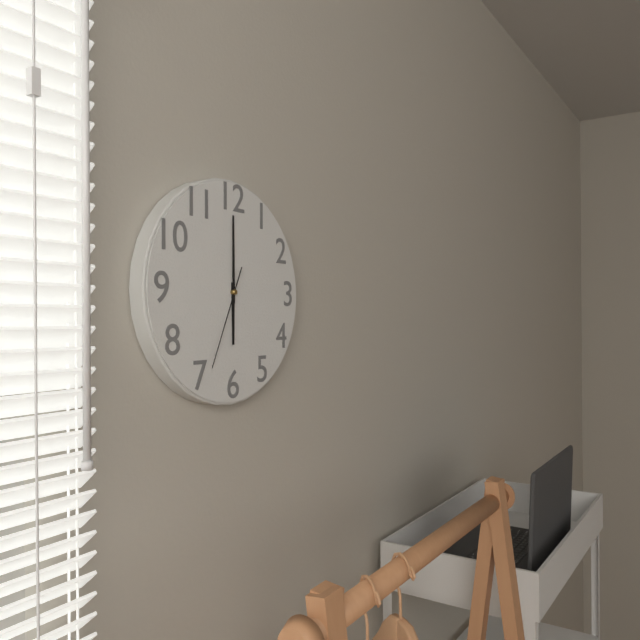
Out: 6,00,34
